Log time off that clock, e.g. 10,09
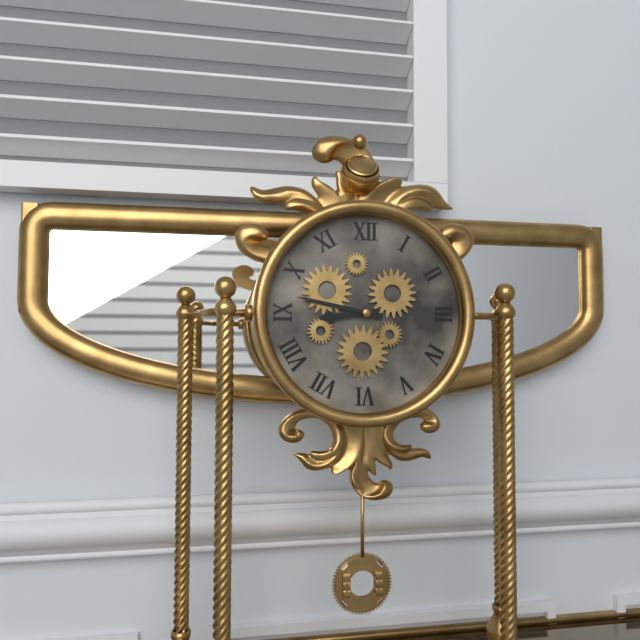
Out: 8,47
